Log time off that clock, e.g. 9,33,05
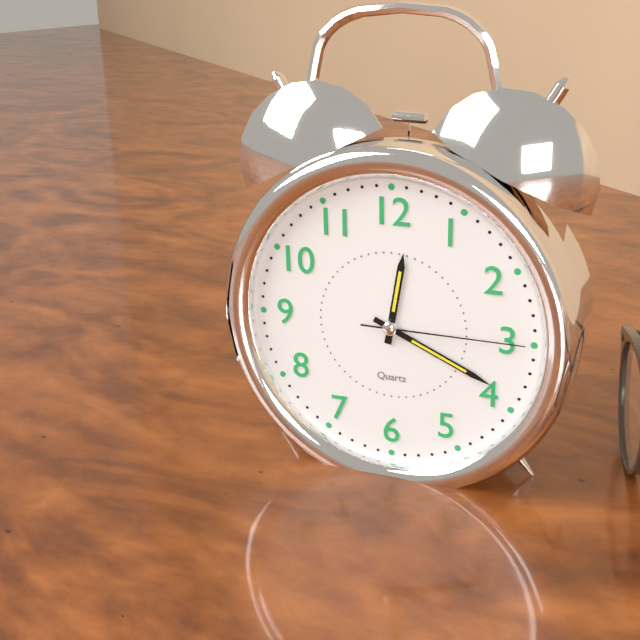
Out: 12,19,15
